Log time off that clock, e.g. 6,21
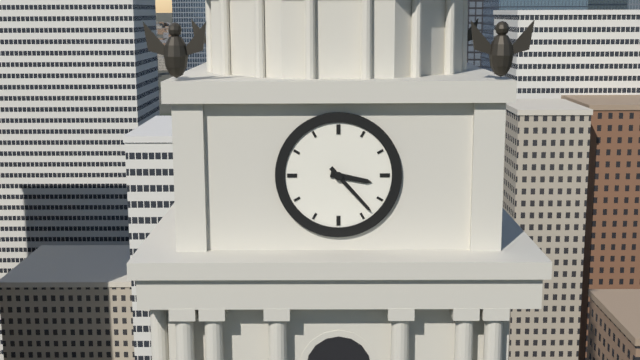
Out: 3,23
